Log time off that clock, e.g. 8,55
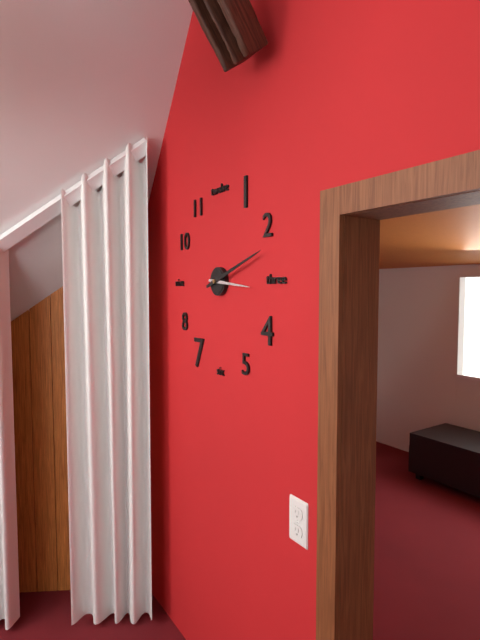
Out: 3,12
